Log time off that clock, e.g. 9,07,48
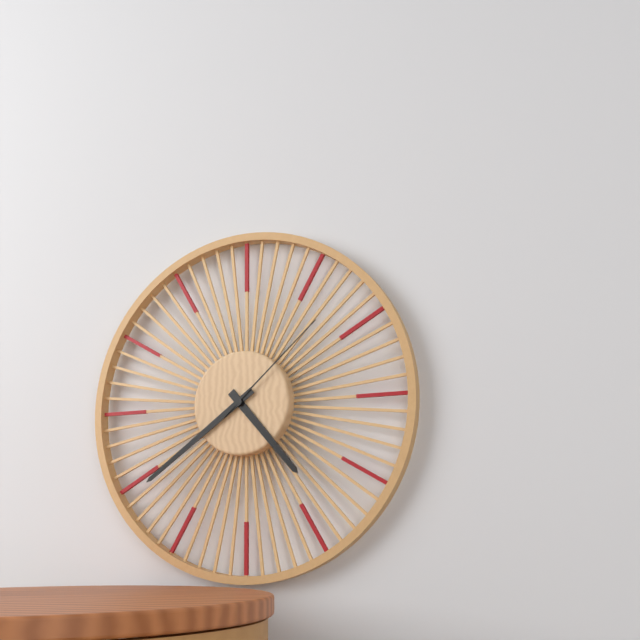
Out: 4,39,08
